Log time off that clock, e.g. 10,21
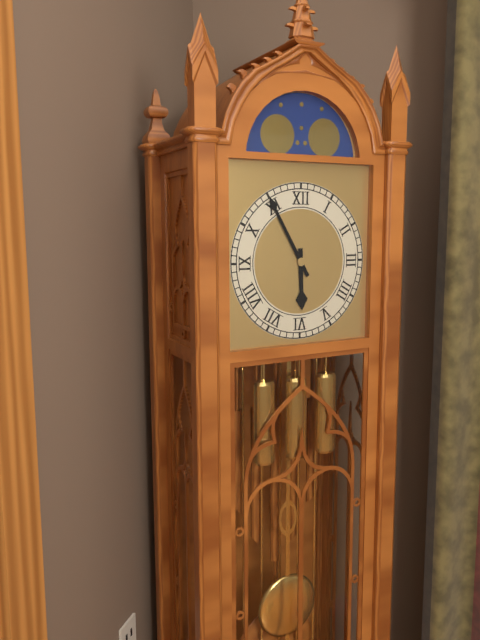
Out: 5,55
